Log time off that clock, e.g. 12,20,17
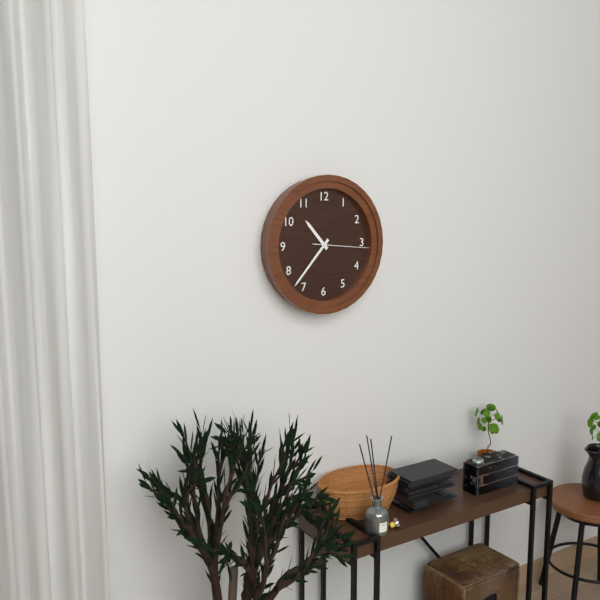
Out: 10,37,16
